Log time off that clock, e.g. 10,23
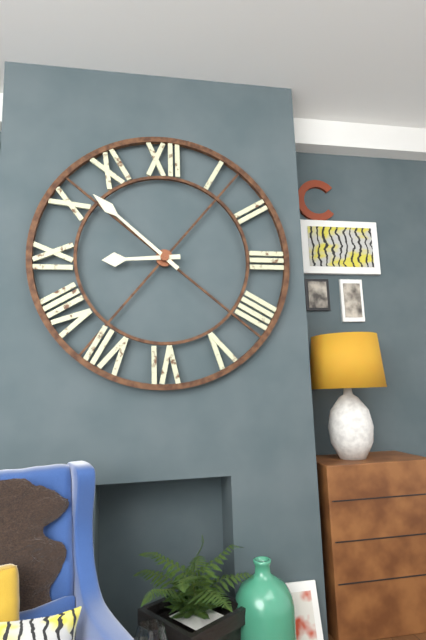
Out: 8,52
